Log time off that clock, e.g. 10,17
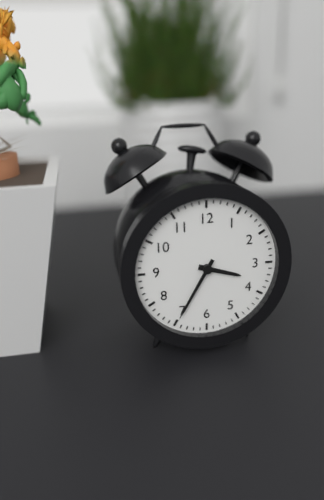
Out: 3,35
